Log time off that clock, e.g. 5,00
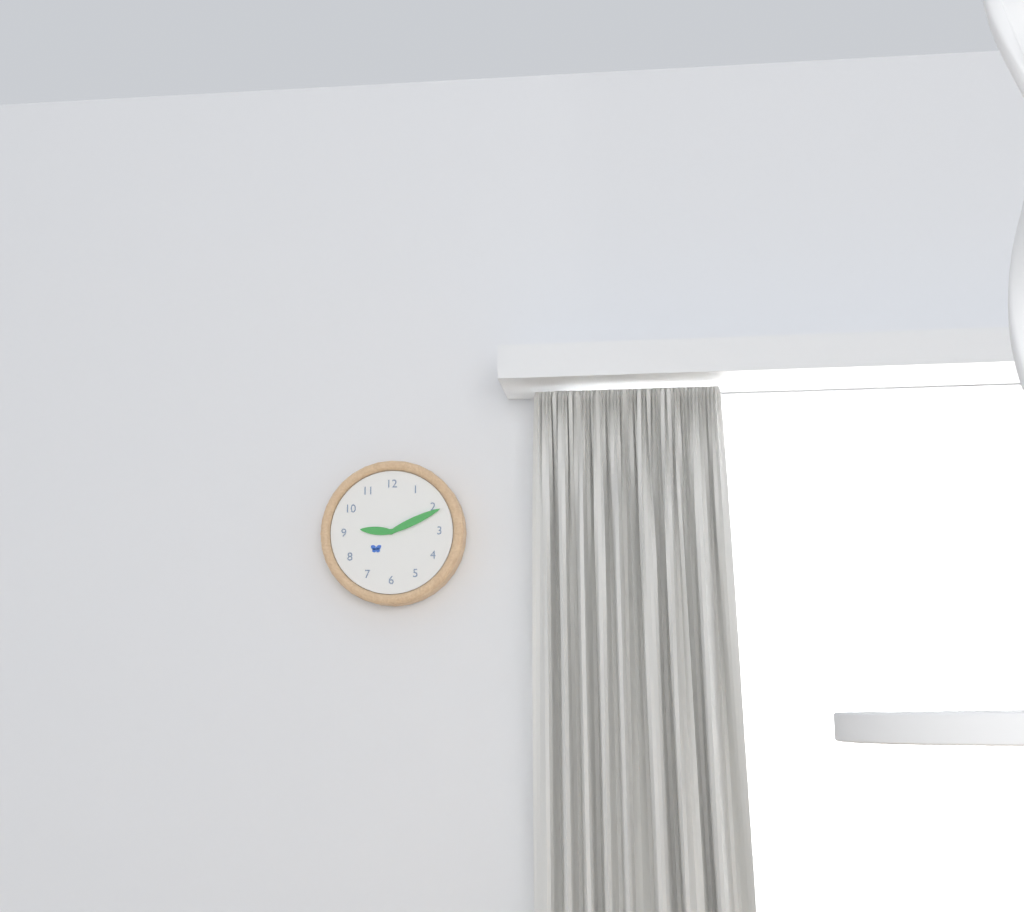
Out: 9,11
